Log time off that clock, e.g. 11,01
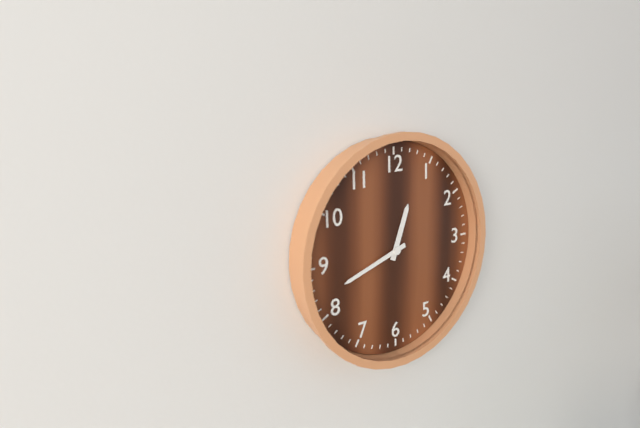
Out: 12,42
